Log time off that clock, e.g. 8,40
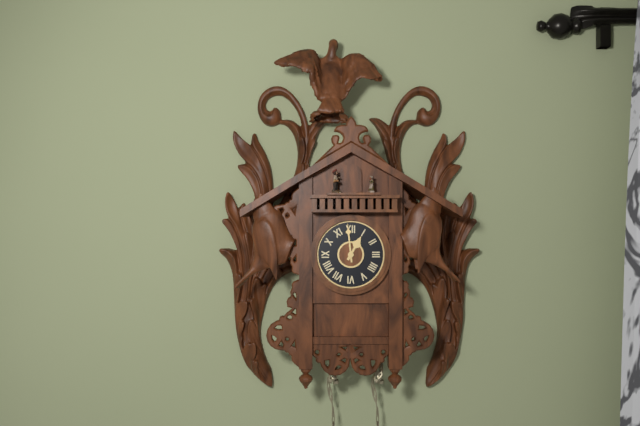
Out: 12,59
